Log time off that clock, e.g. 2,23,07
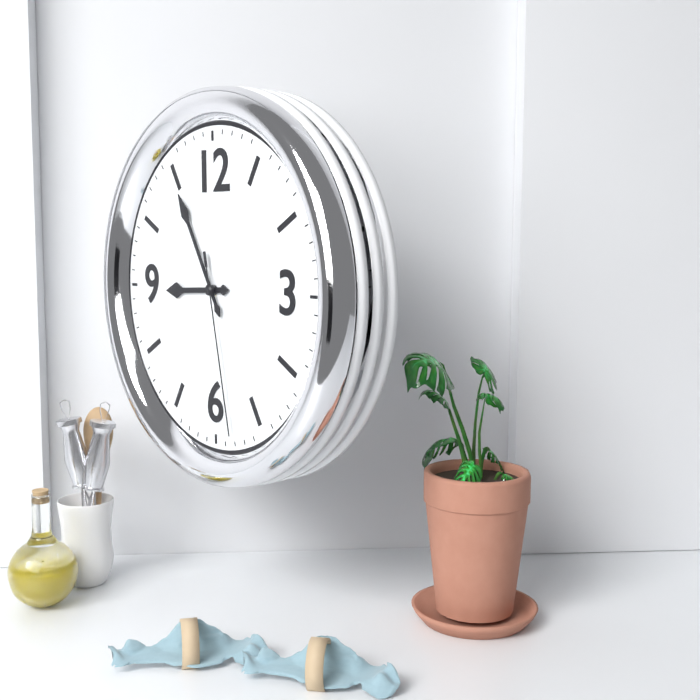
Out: 8,55,28
